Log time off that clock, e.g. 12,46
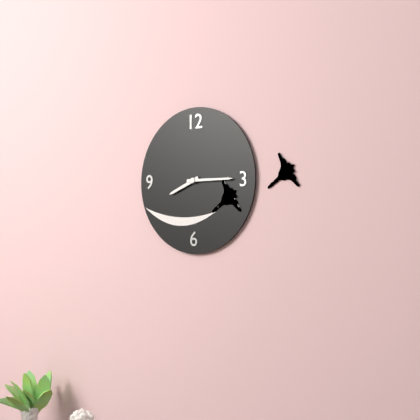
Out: 8,15
